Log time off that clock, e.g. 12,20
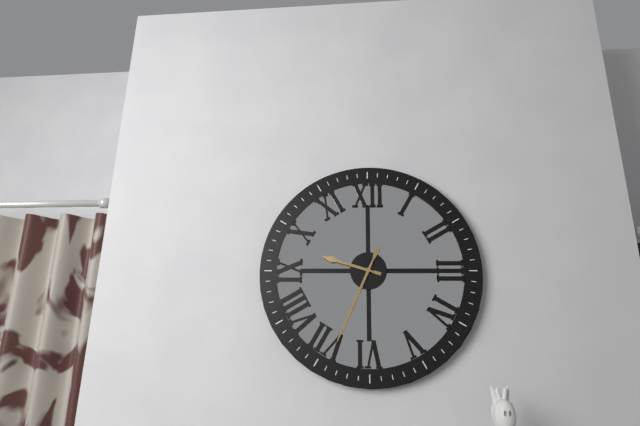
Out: 9,34
